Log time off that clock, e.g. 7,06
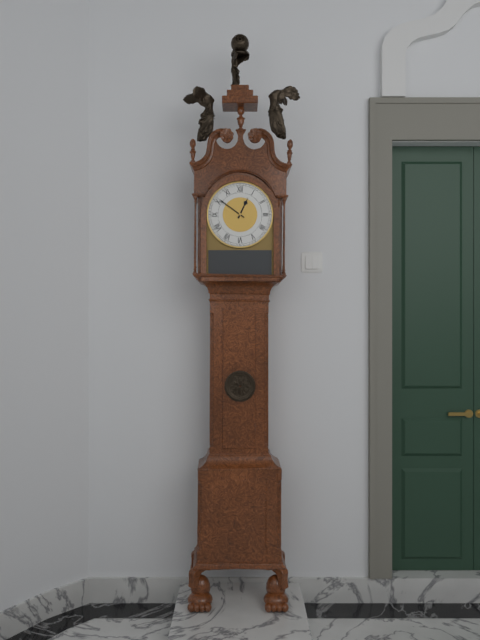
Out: 12,51
